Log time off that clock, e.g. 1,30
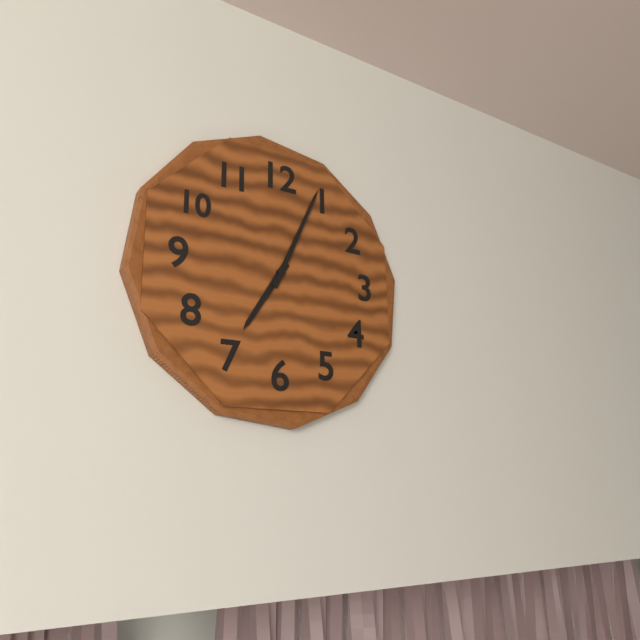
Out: 7,04
